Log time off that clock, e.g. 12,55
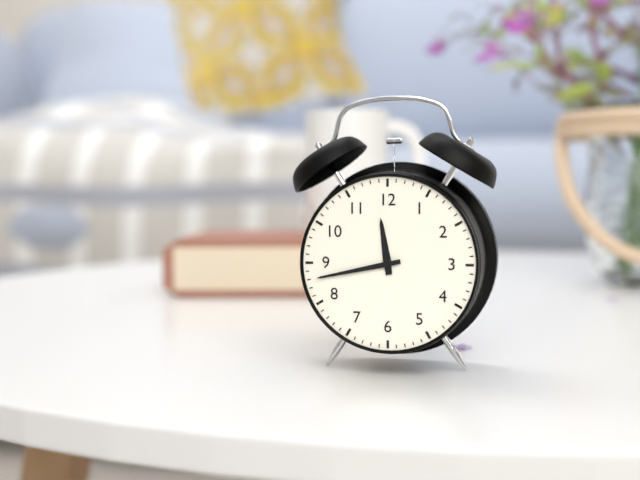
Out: 11,43
